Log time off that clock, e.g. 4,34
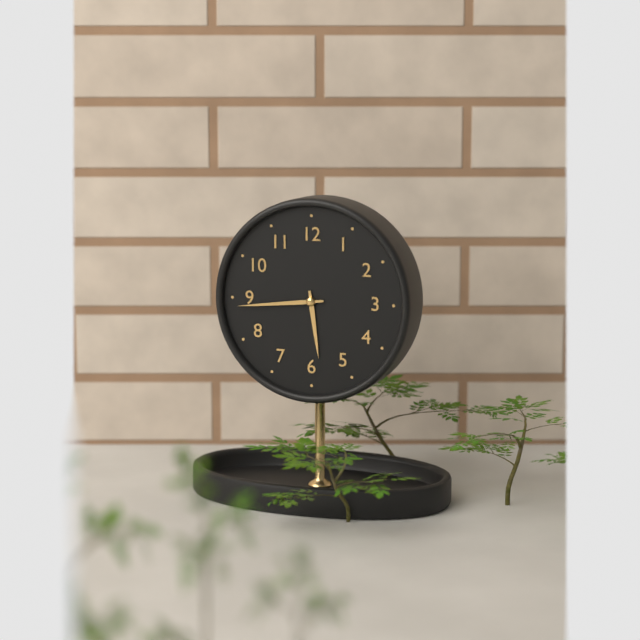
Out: 5,44
